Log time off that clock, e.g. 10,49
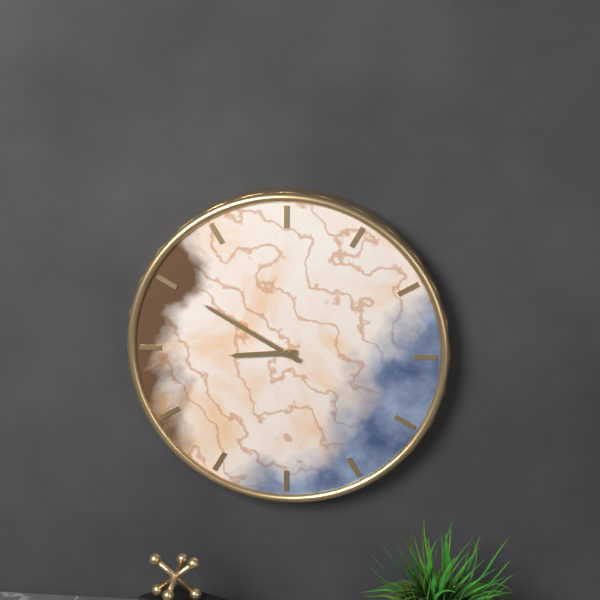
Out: 8,50
